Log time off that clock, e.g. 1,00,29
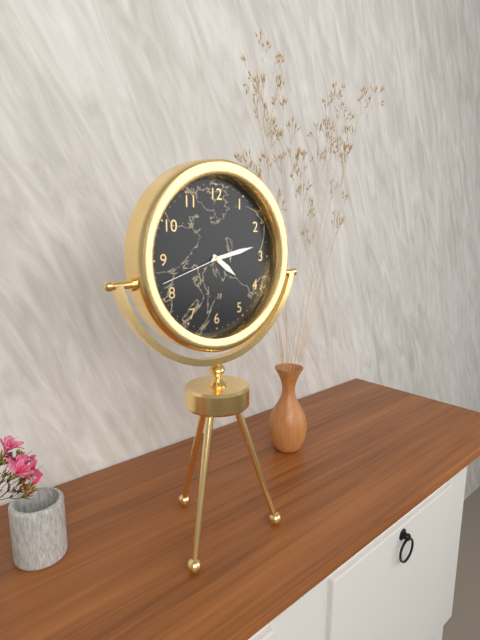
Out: 4,13,42
